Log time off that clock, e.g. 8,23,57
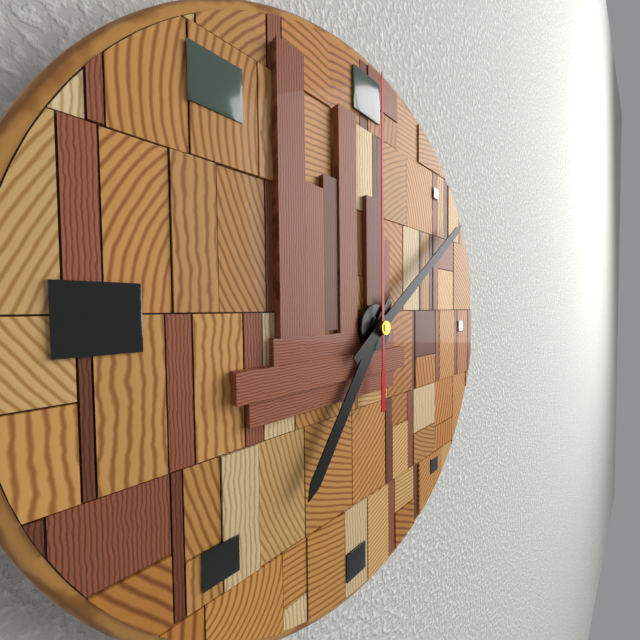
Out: 7,09,00
